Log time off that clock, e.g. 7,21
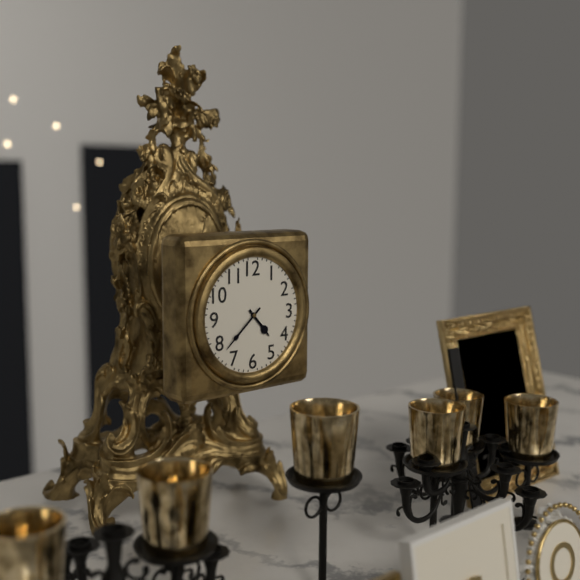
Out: 4,38
